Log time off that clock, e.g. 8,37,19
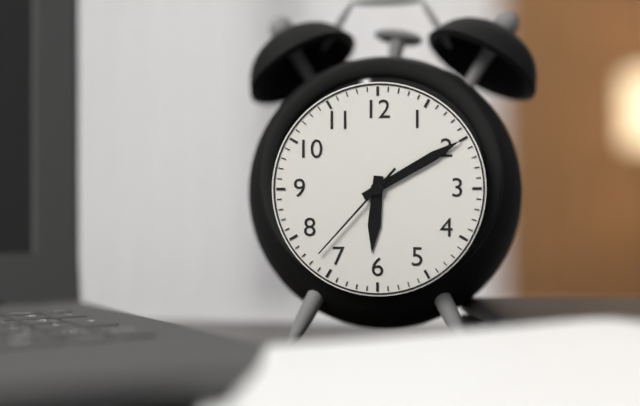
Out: 6,10,37
